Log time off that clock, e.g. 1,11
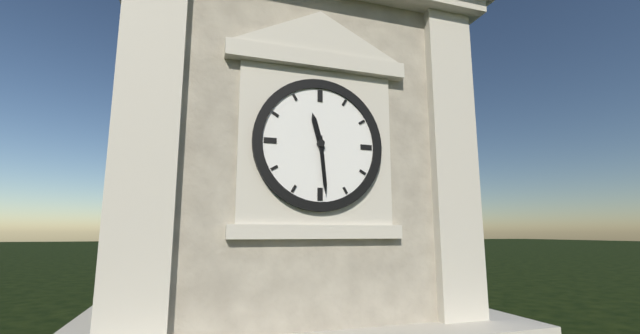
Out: 11,29
